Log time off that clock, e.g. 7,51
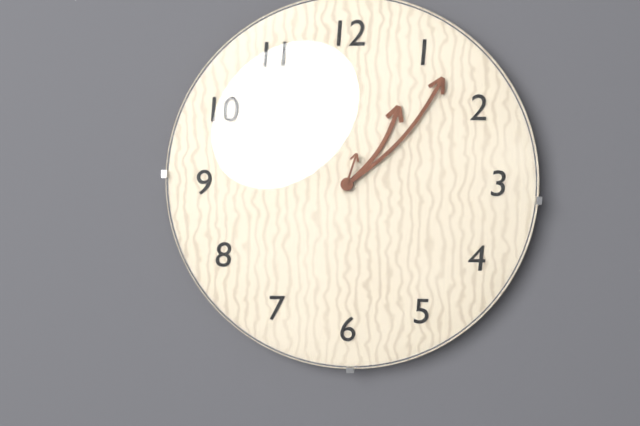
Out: 1,07
